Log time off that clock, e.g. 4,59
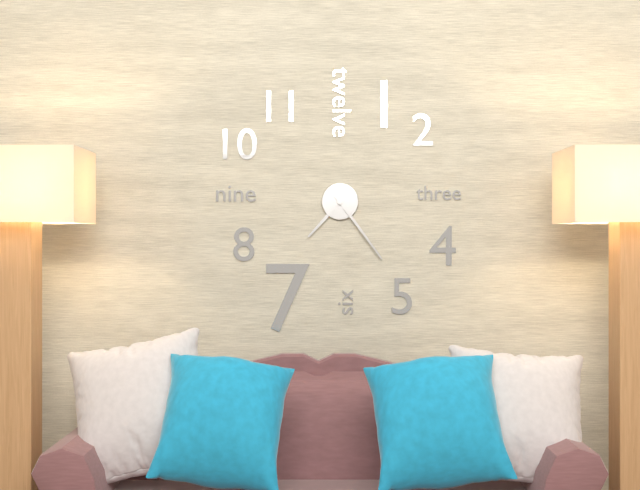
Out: 7,24
